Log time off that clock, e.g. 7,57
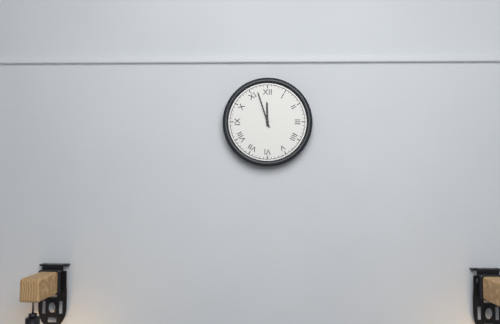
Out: 11,57
